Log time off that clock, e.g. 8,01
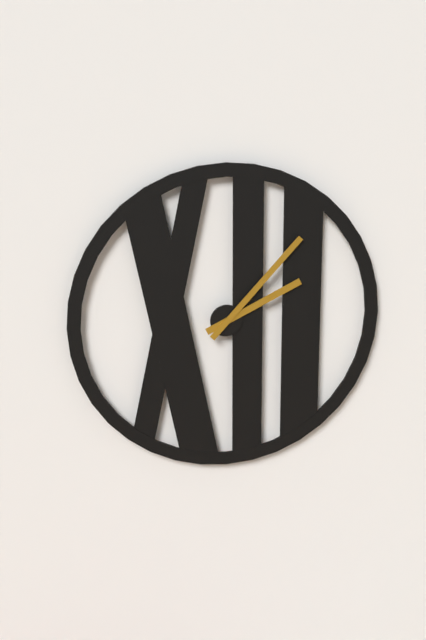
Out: 2,07
